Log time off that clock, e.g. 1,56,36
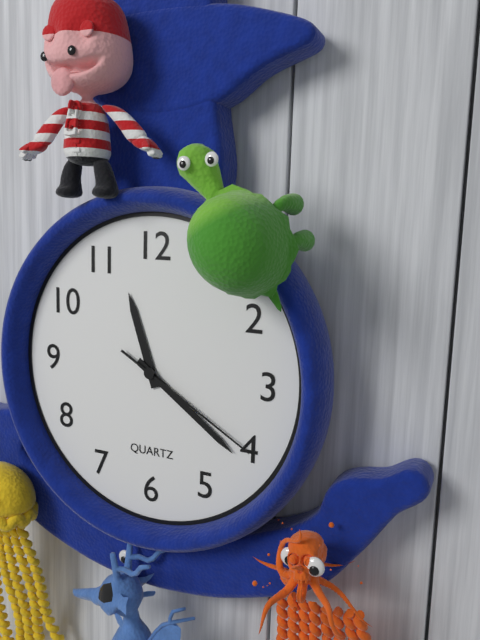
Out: 11,21,20
